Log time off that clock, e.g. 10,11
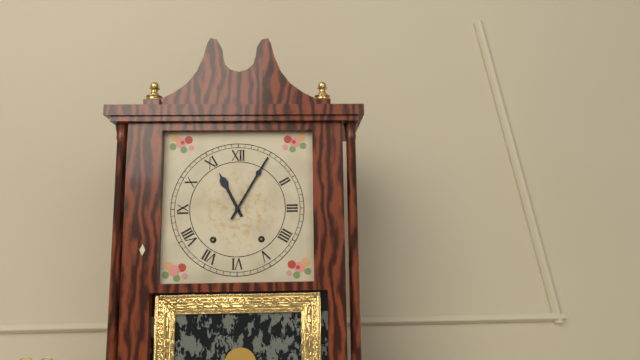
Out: 11,05
